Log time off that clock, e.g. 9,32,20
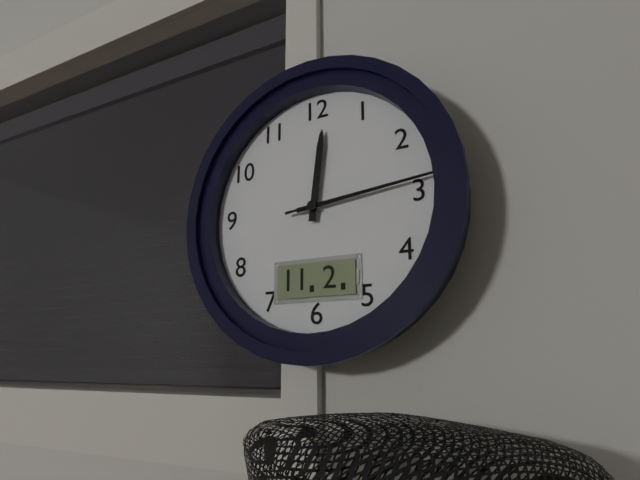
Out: 12,14,14
